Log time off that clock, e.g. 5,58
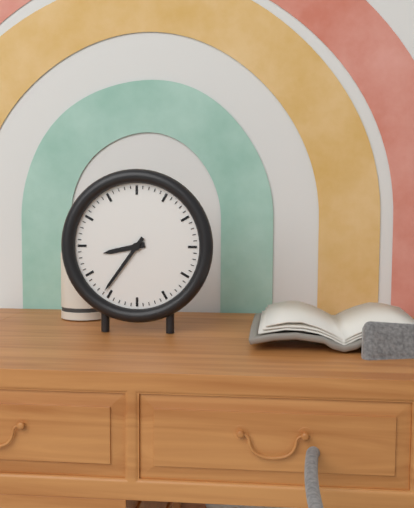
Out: 8,36
